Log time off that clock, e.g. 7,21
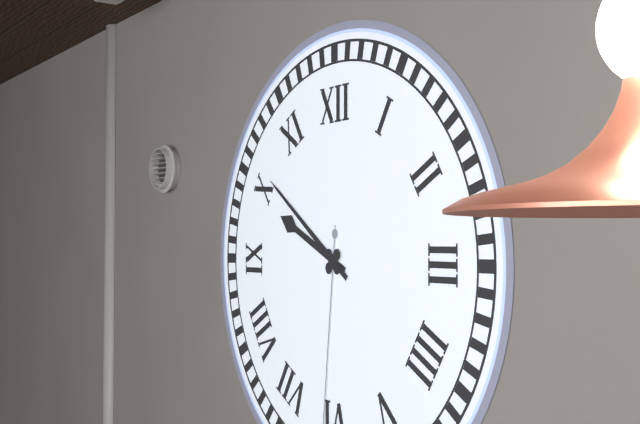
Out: 9,51
